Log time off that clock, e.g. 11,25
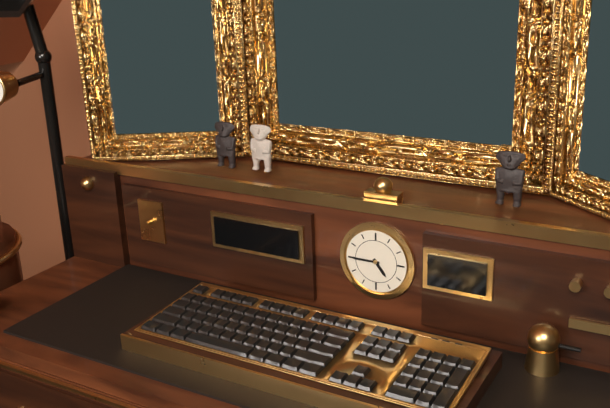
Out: 4,45
